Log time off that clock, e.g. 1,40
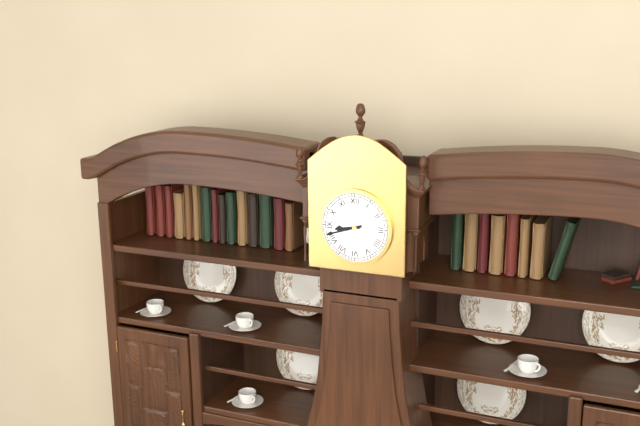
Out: 8,42
